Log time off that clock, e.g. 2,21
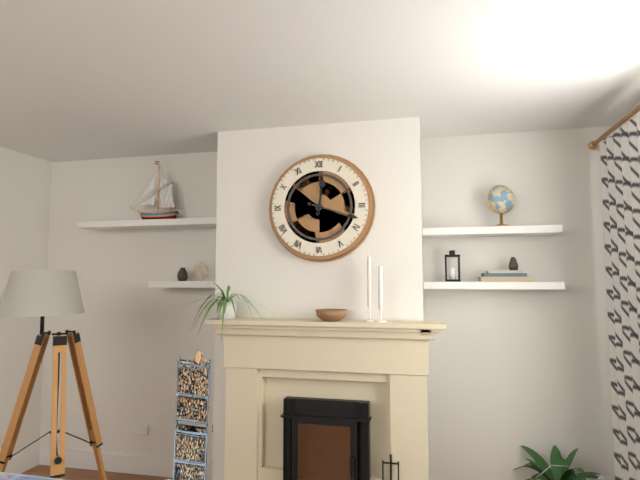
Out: 12,18
